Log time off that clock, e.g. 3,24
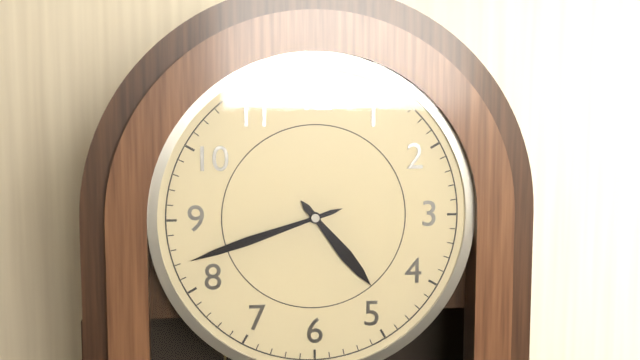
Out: 4,42
